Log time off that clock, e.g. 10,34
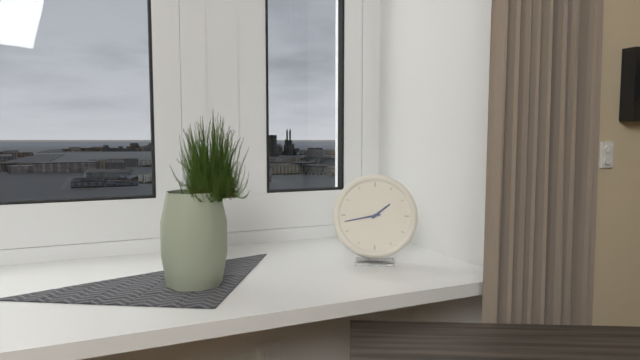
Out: 1,43
